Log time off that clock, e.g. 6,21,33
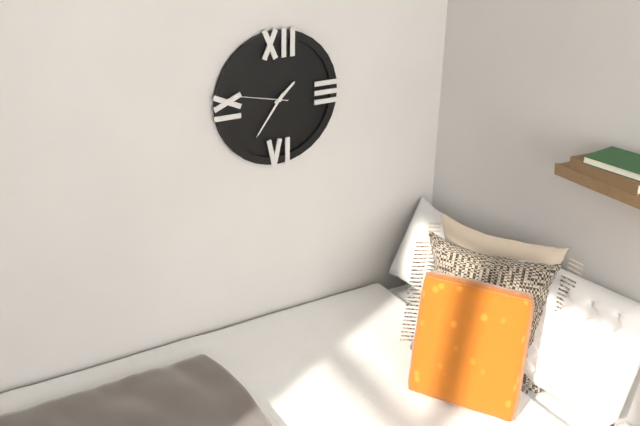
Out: 1,36,47
